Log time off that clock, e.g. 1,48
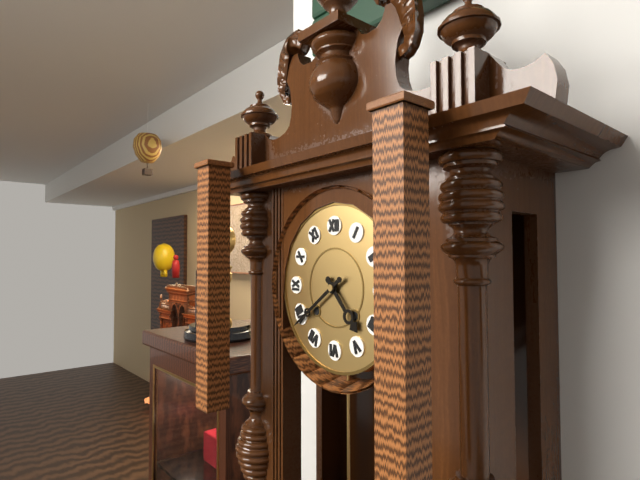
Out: 4,39
